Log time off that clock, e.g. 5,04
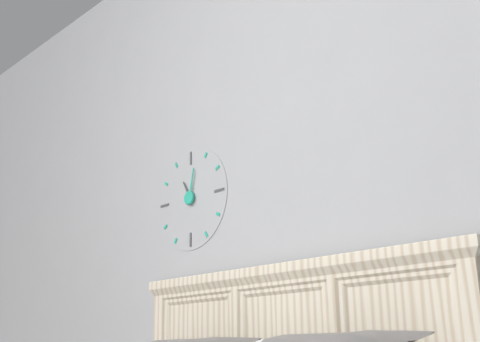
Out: 11,02
